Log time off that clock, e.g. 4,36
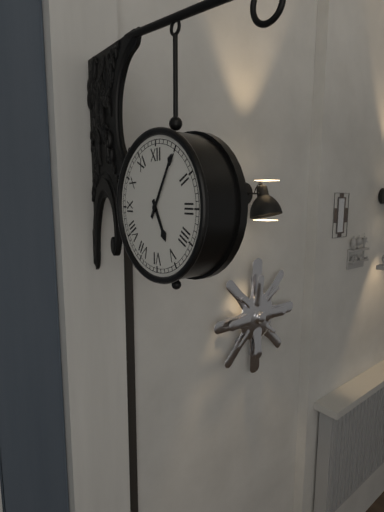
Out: 5,05
